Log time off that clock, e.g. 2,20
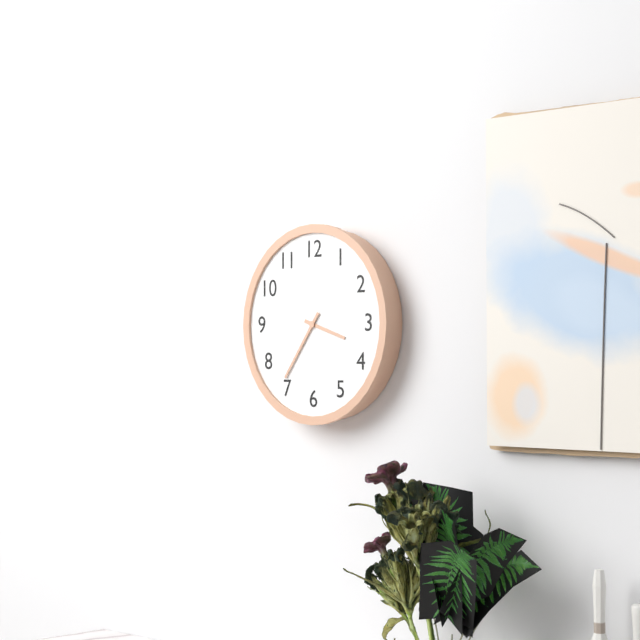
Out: 3,36
